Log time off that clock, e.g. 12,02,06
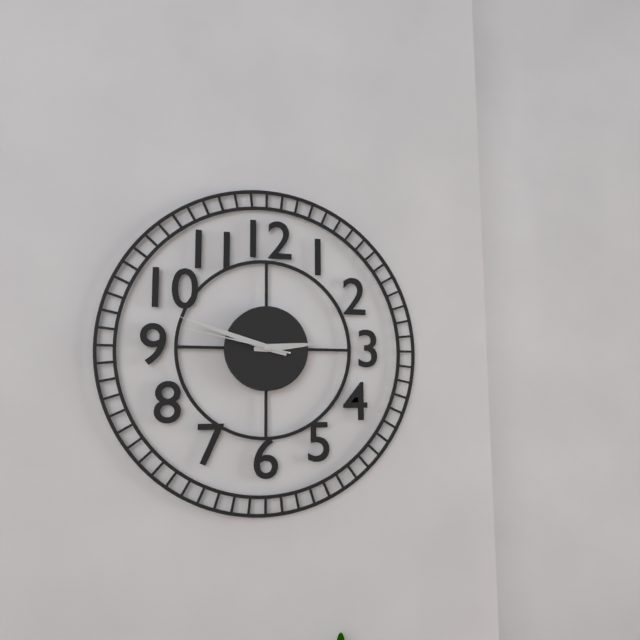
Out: 2,48,47
